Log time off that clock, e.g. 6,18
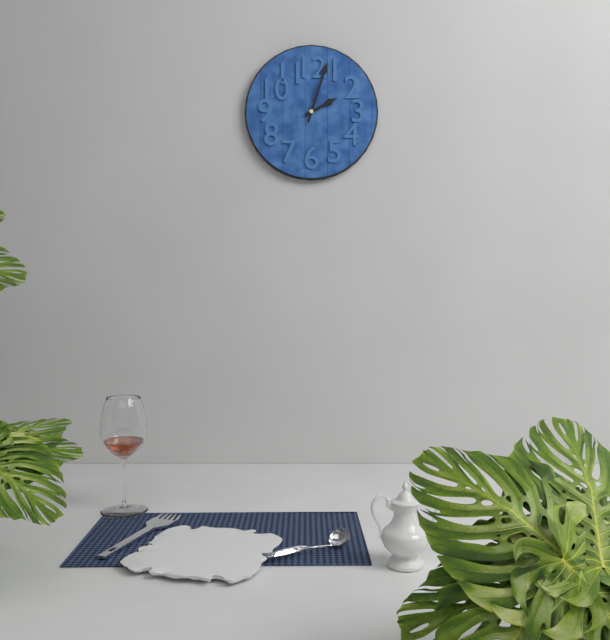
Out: 2,03
